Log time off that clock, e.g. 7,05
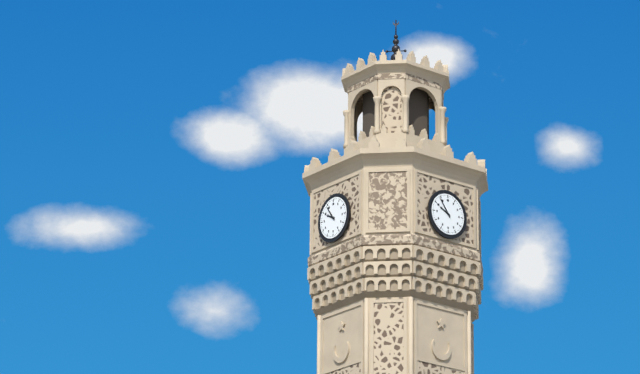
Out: 9,54
